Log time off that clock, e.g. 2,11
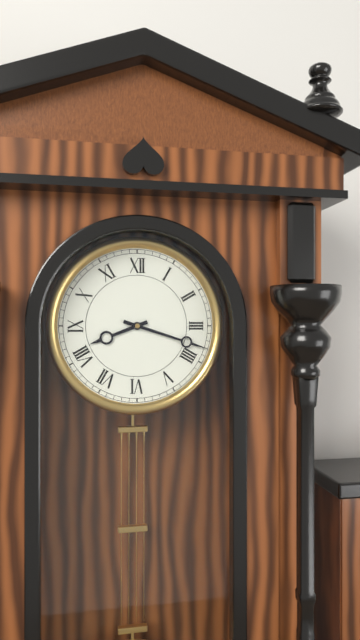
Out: 8,18
